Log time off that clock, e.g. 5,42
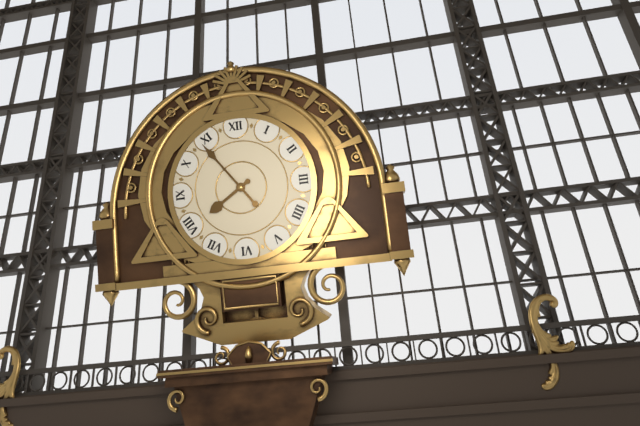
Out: 7,54
